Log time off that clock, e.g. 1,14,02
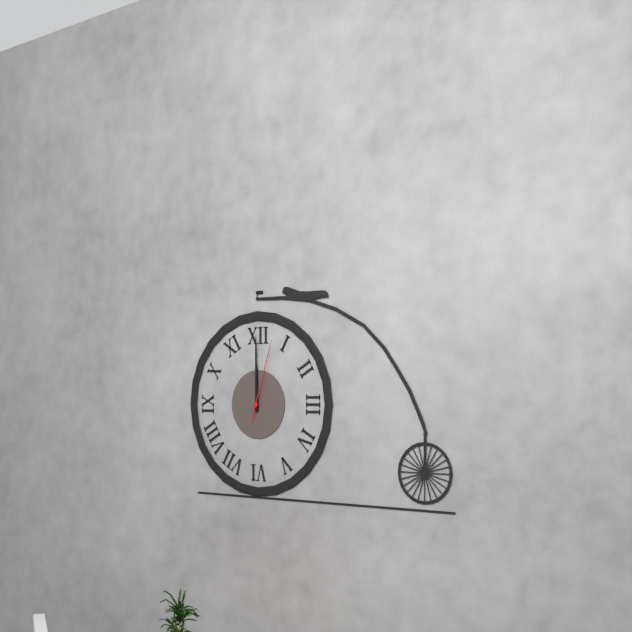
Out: 12,00,03
